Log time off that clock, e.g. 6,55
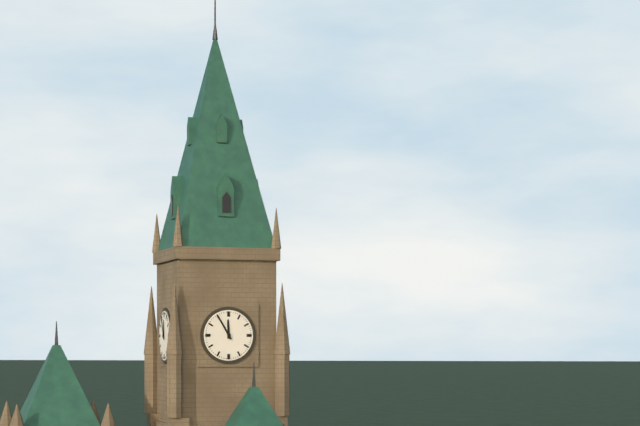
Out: 11,55
